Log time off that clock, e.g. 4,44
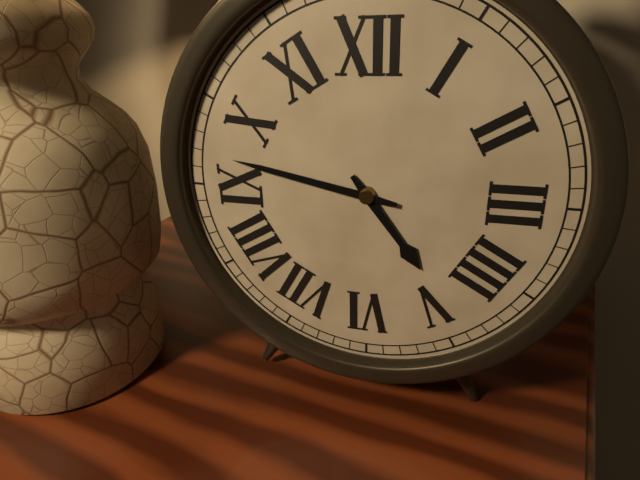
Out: 4,47
